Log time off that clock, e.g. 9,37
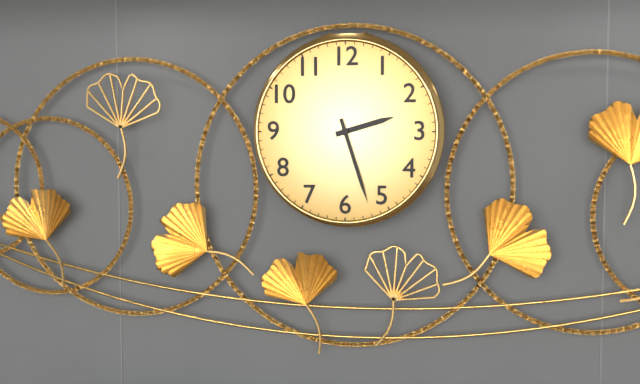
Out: 2,27
